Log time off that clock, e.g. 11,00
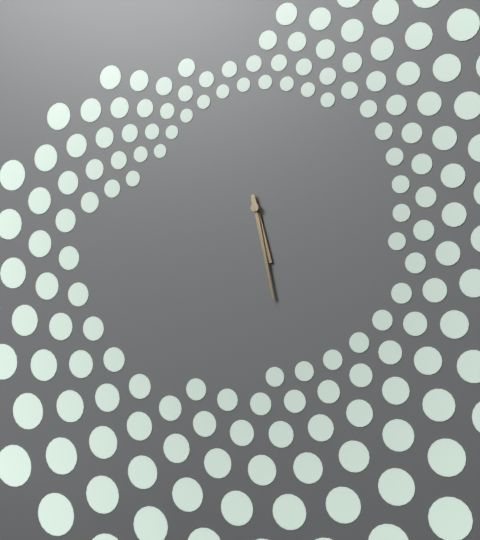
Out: 5,28
